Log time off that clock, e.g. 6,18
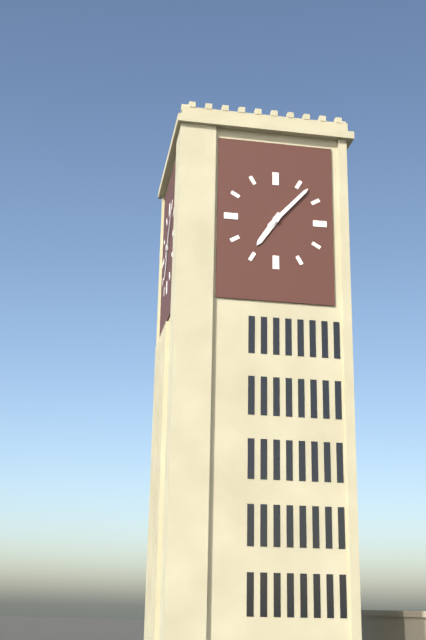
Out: 7,07
